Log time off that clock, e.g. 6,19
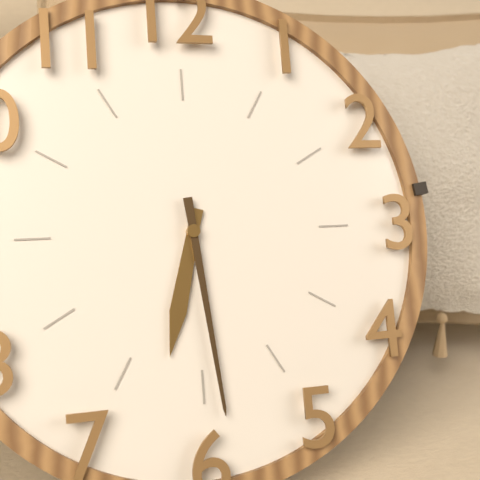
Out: 6,29
